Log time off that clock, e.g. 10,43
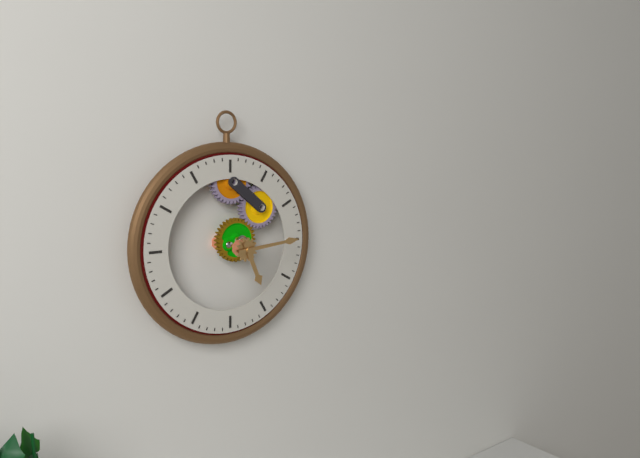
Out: 5,14
